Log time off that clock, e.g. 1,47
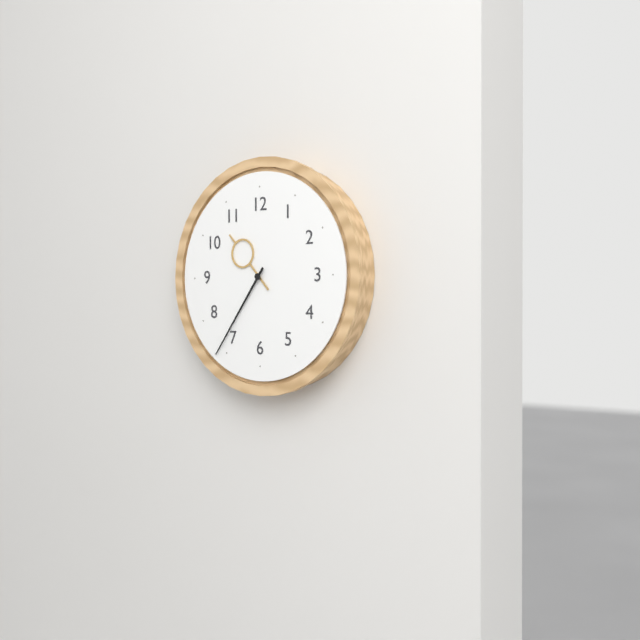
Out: 10,36
